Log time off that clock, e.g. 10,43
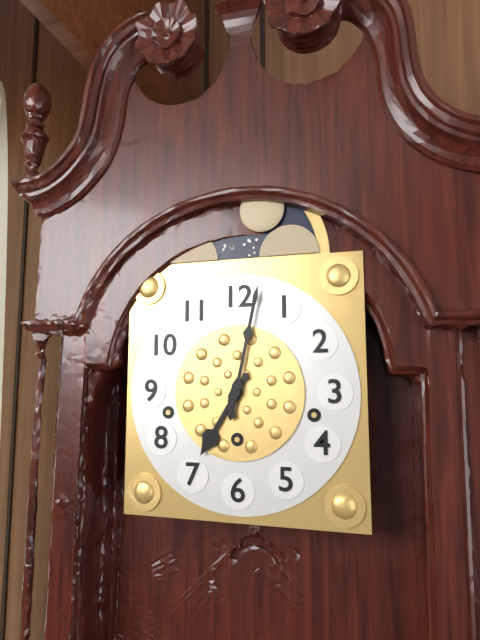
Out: 7,02
